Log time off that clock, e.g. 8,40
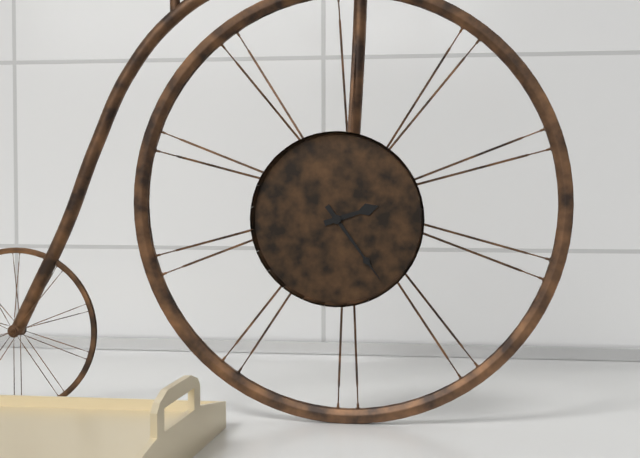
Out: 2,24
